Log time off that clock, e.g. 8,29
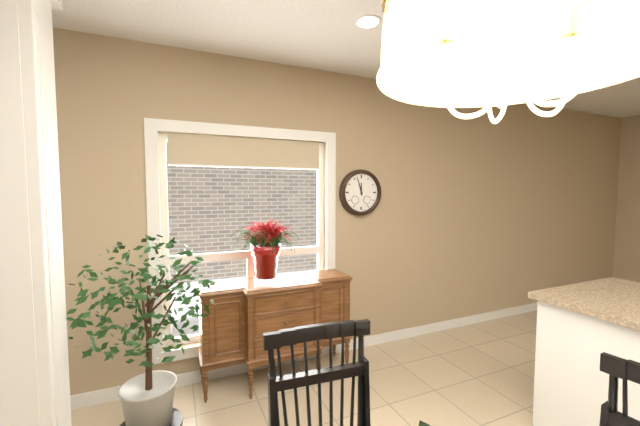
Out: 11,57
